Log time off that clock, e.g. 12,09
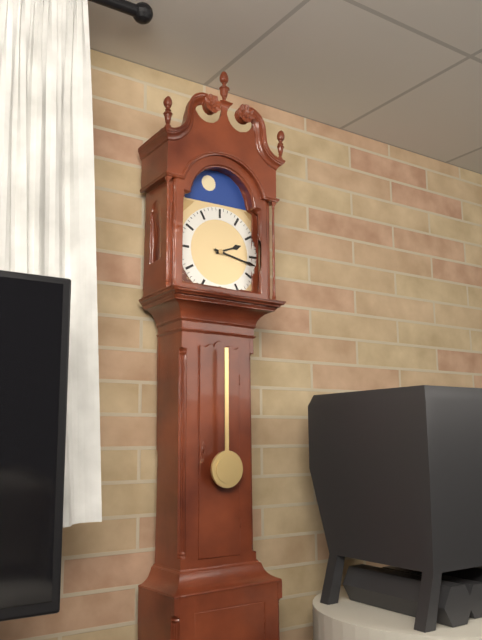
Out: 2,17
